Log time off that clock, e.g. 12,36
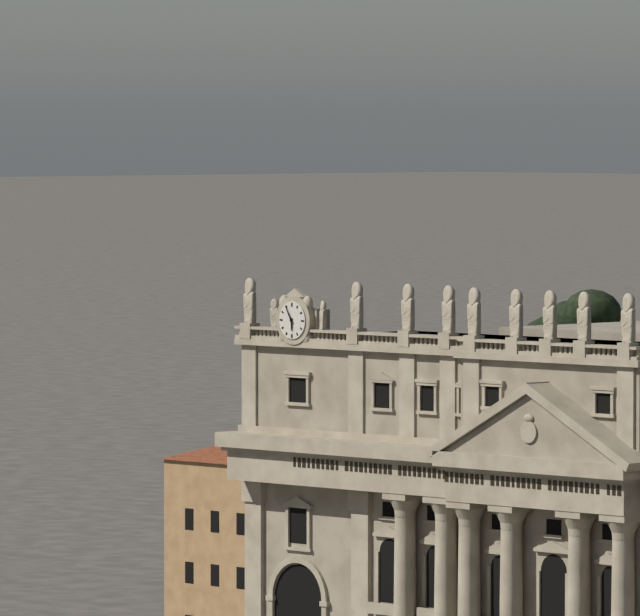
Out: 5,55
